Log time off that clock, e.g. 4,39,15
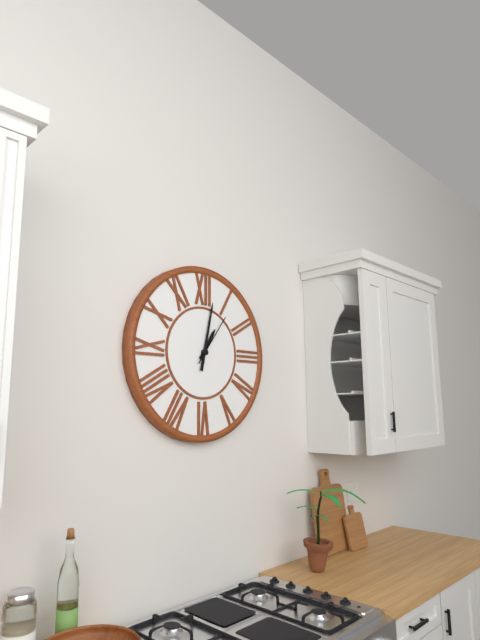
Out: 1,02,06
